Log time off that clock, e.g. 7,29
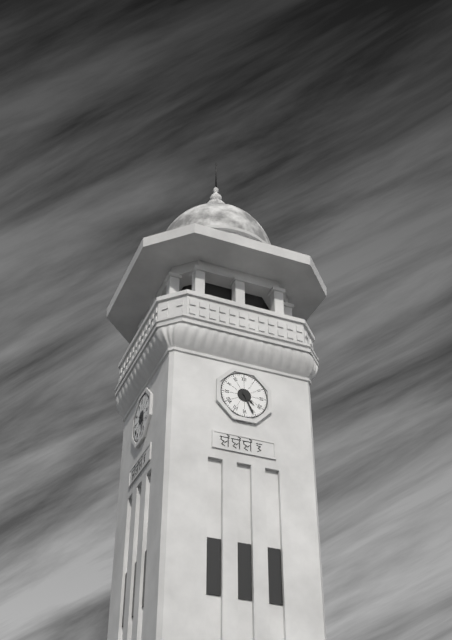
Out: 4,26
